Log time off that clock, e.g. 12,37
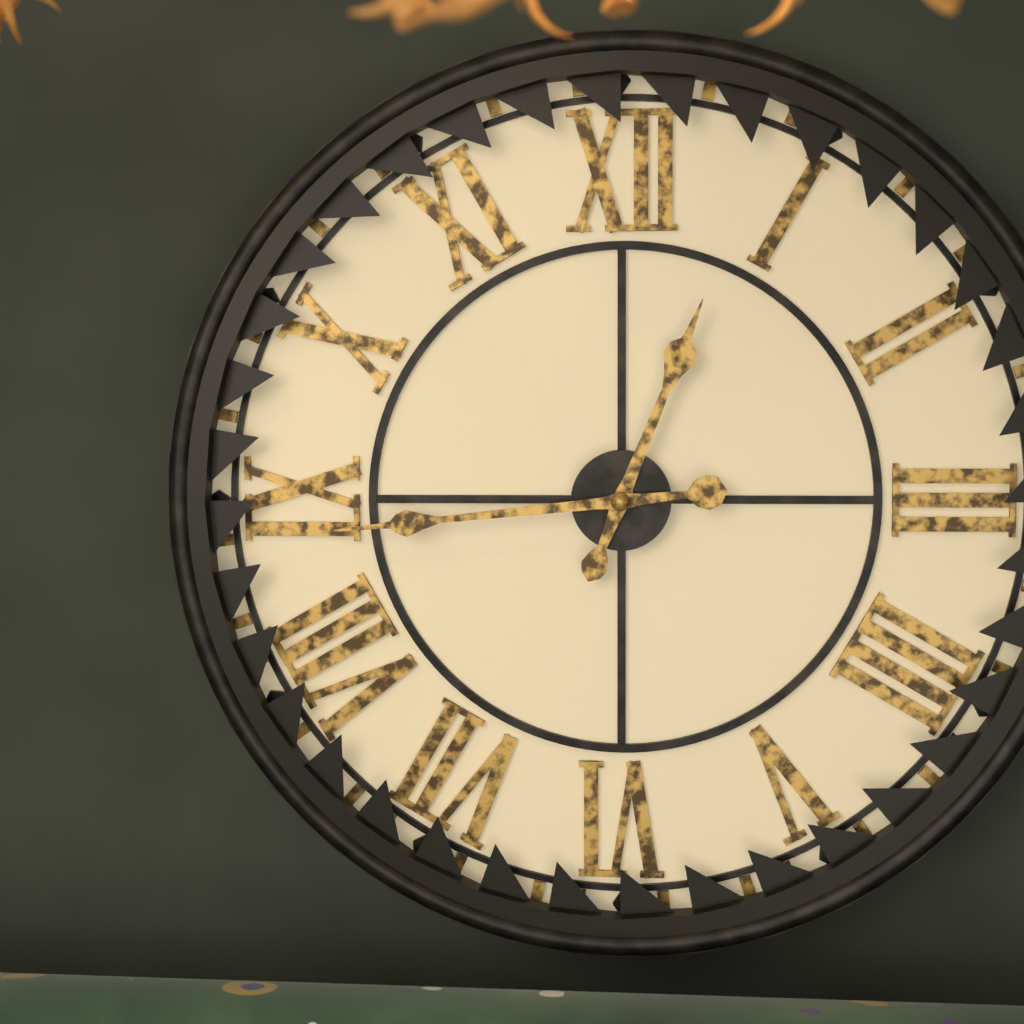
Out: 12,44
